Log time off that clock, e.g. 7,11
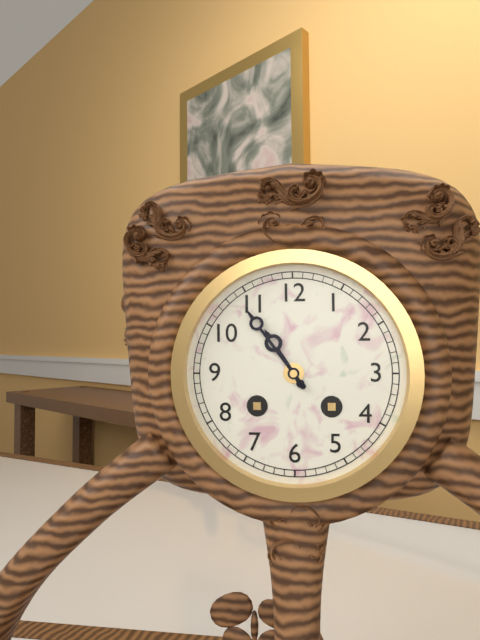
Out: 10,54
